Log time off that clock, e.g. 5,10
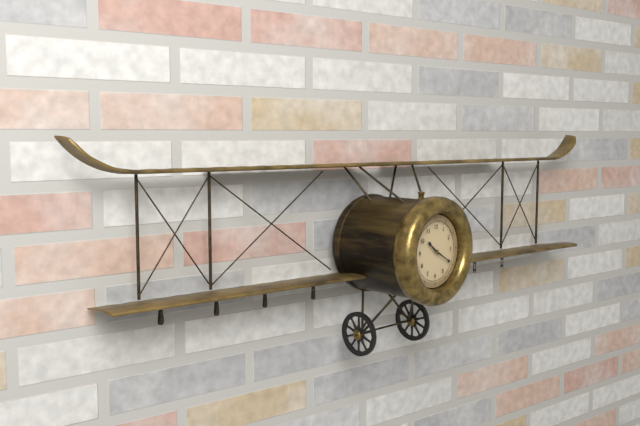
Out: 10,20
